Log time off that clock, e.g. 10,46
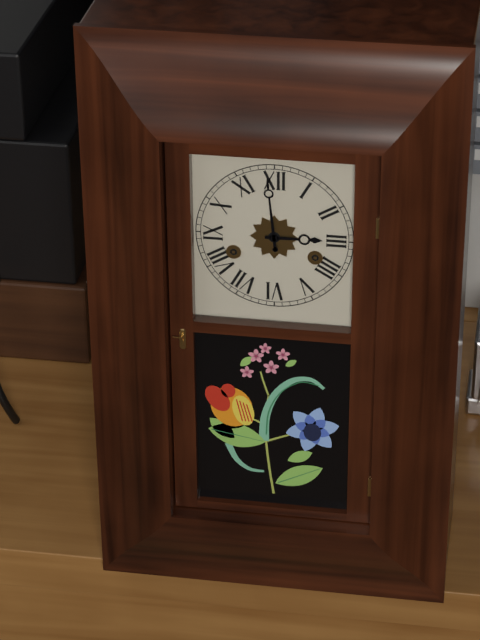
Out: 2,59
